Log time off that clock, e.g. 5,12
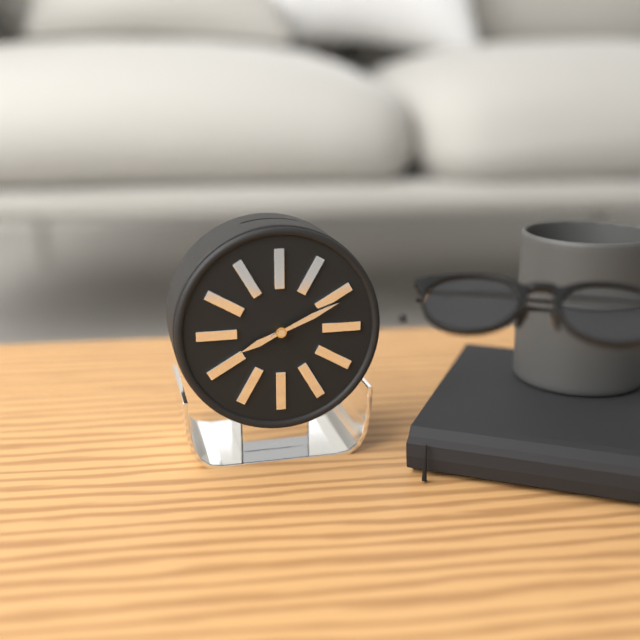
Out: 8,11
